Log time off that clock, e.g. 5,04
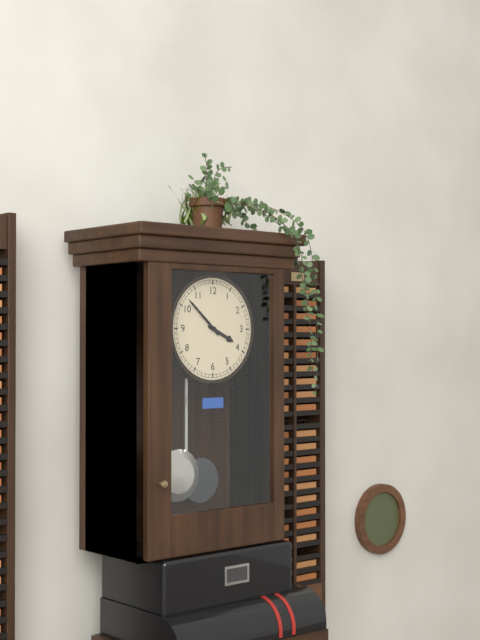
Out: 3,52
